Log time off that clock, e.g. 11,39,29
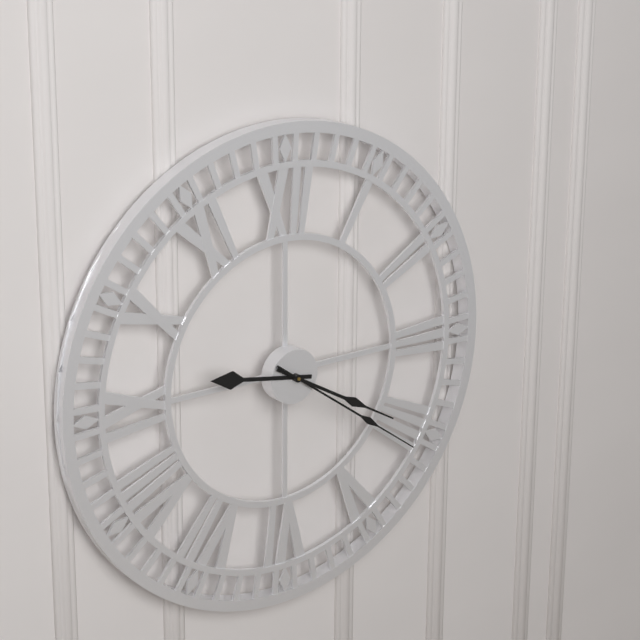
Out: 9,20,21
